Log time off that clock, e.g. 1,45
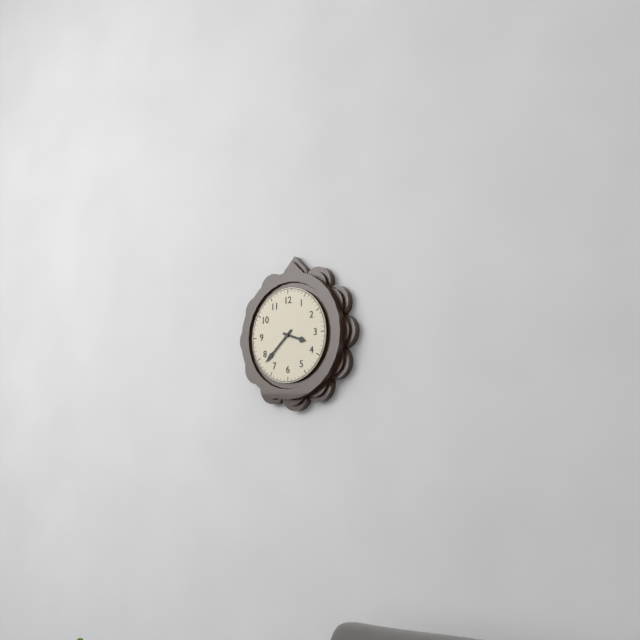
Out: 3,38
